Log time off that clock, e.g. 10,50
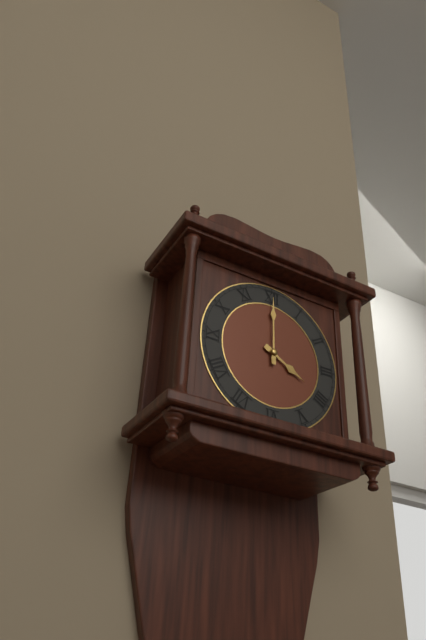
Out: 4,00
